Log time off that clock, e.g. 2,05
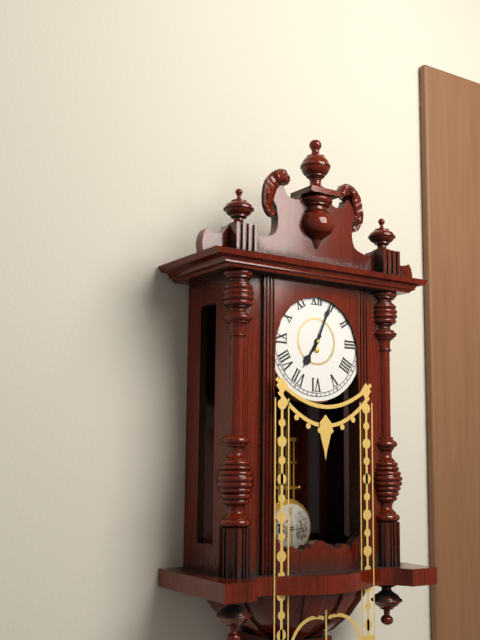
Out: 7,04
